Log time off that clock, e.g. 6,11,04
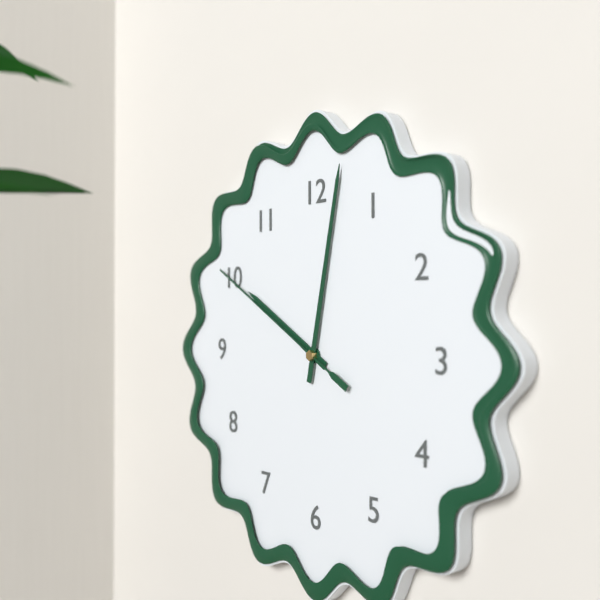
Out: 10,02,50
